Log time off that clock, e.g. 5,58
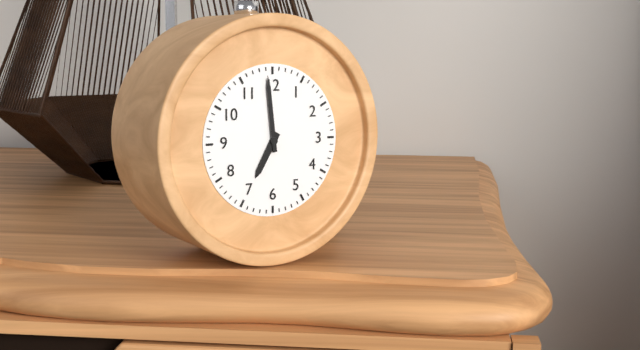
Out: 6,59
